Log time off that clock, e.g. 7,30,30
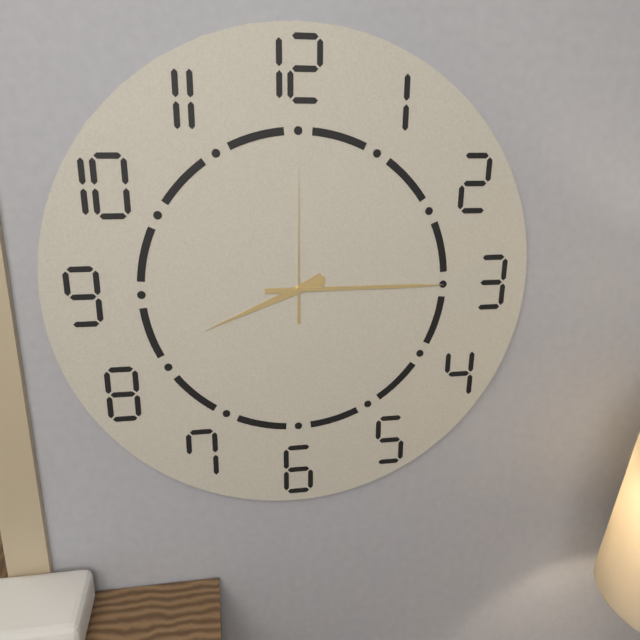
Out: 8,15,00
